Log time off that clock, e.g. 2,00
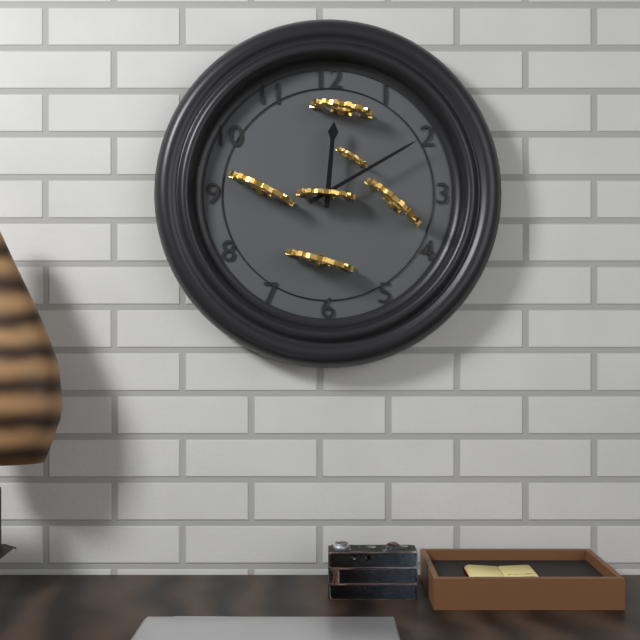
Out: 12,10
